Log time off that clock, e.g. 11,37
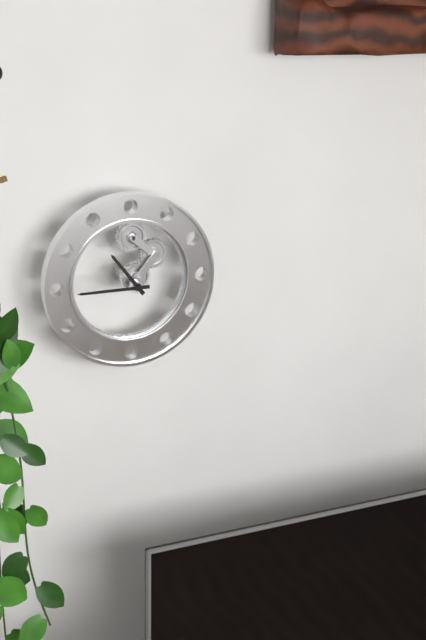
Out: 10,45
